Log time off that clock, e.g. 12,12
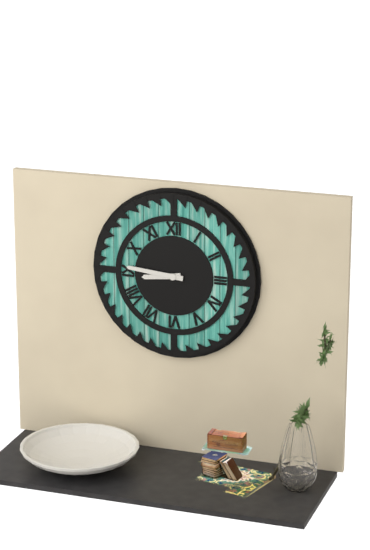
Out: 8,46
